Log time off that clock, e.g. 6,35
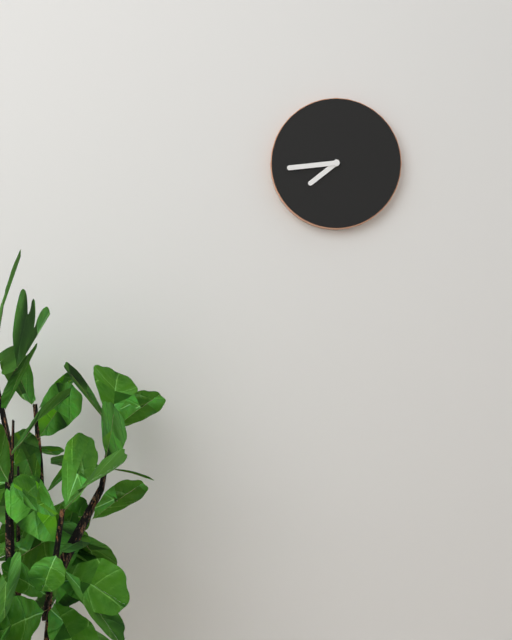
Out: 7,44
